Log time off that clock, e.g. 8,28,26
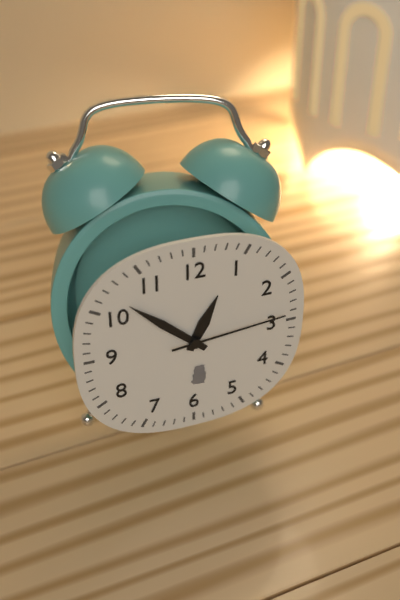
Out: 12,52,14
